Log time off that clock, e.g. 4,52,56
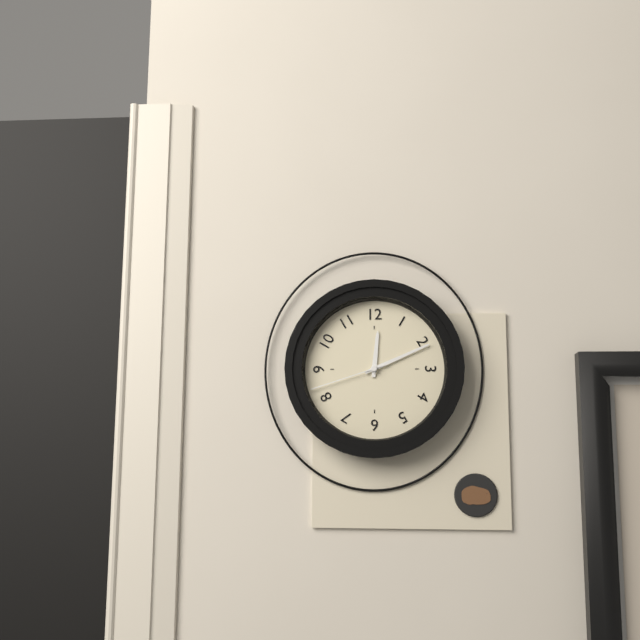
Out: 12,11,42
